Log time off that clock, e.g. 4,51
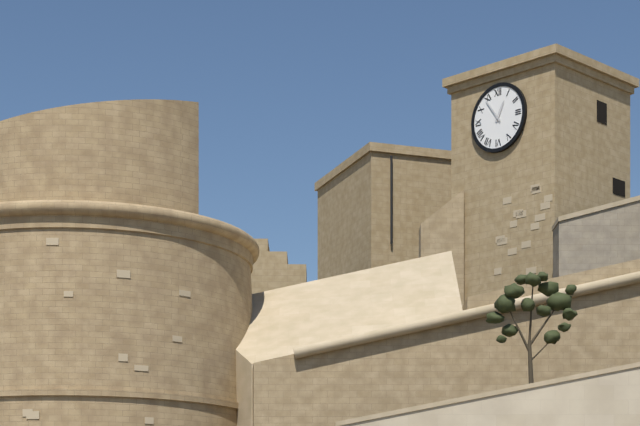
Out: 12,54
